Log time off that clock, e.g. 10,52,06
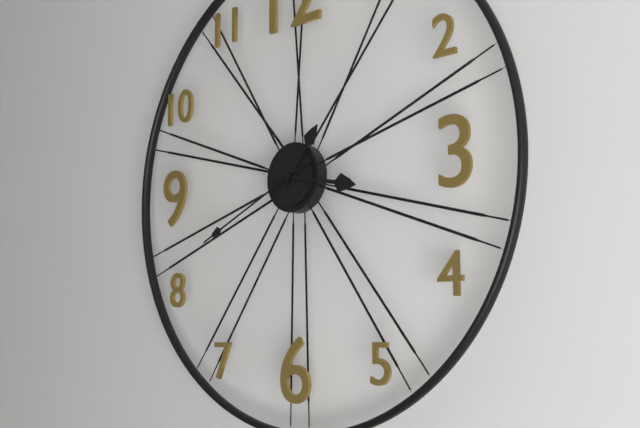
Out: 1,17,41
